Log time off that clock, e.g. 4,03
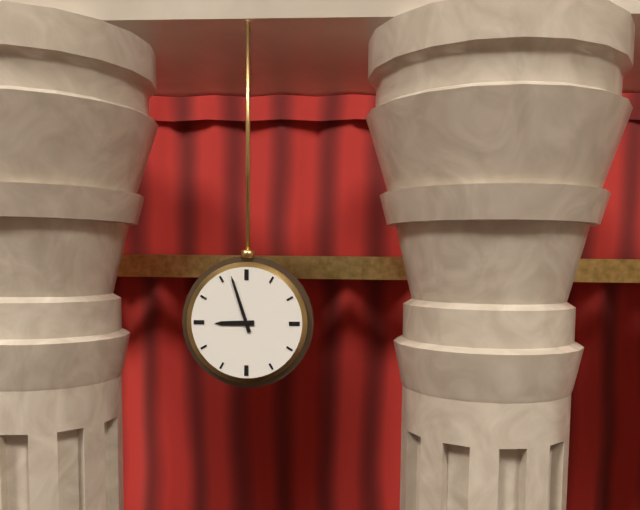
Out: 8,57
